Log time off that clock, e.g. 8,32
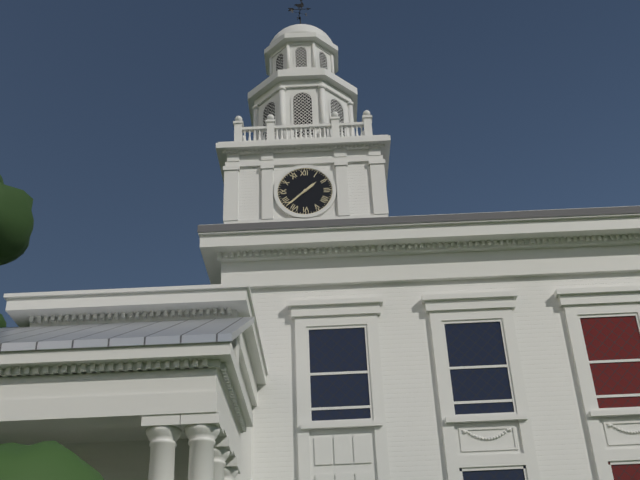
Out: 1,38
